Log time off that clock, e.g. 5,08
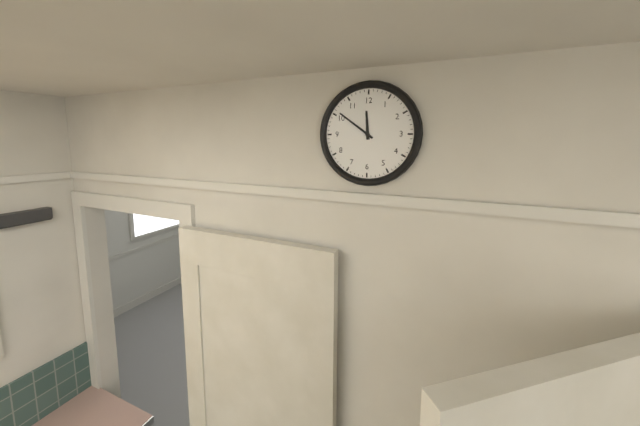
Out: 11,51
